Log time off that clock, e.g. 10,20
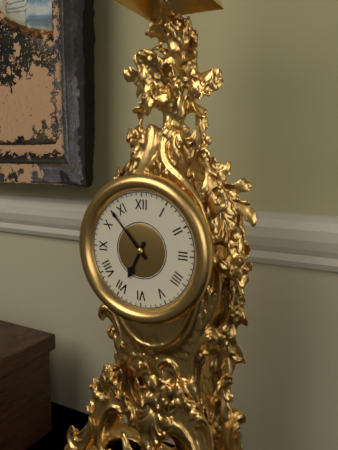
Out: 6,53
